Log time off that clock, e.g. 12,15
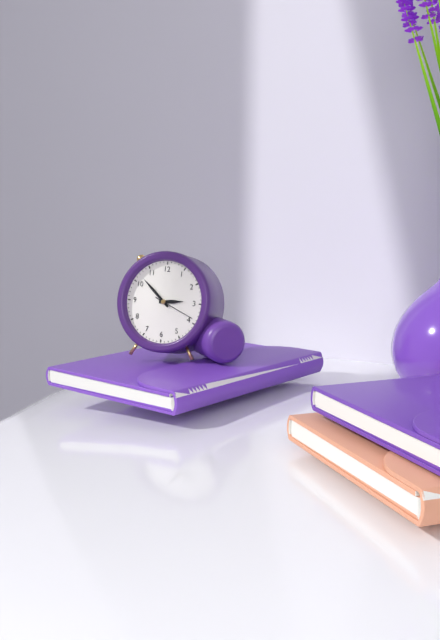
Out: 2,52
